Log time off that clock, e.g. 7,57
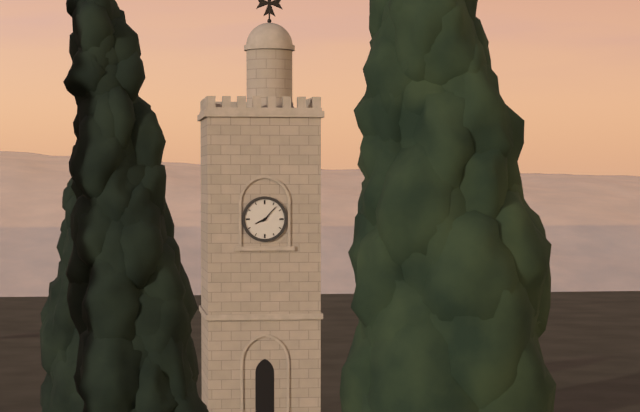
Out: 8,07
